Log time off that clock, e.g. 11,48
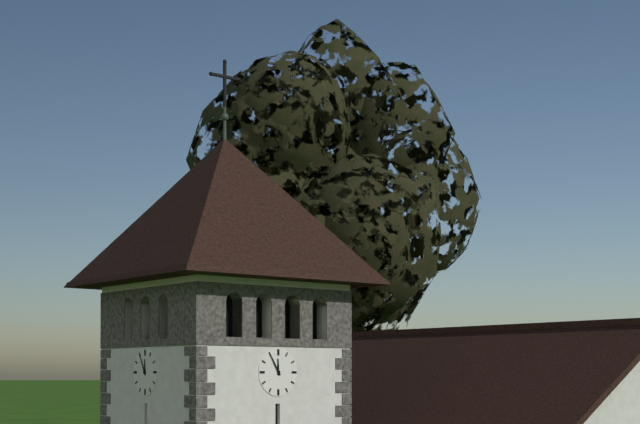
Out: 11,55
